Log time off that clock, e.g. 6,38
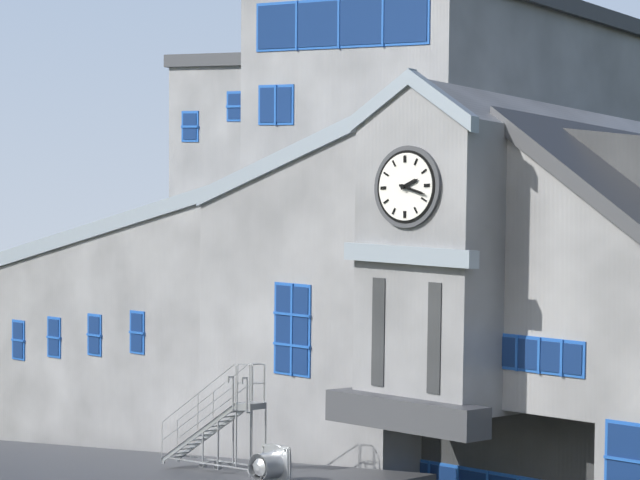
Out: 2,18
